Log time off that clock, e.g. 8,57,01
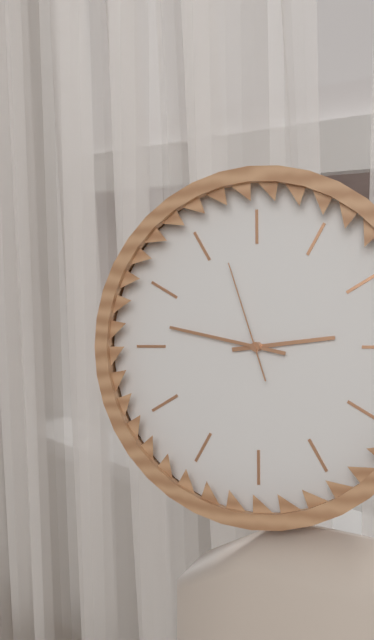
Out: 2,47,57
